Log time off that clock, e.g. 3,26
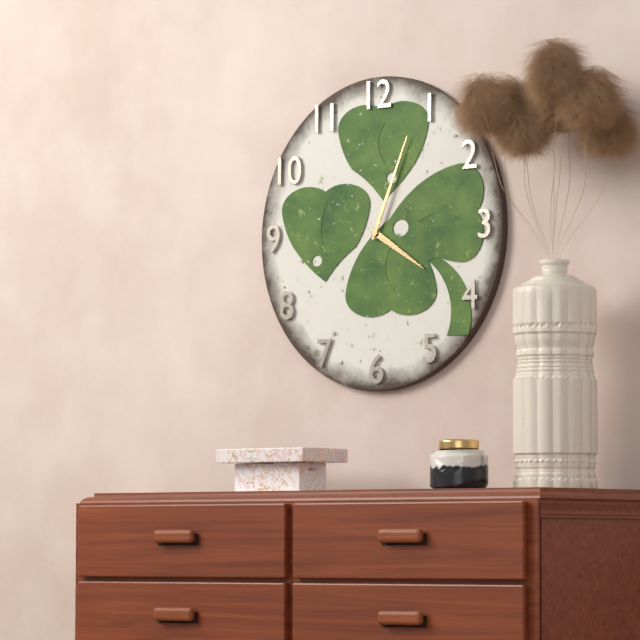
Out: 4,04
